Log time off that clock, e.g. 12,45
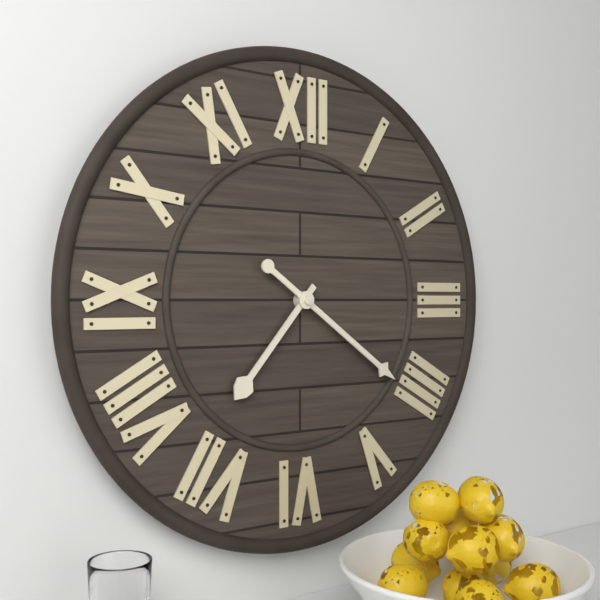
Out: 7,21
